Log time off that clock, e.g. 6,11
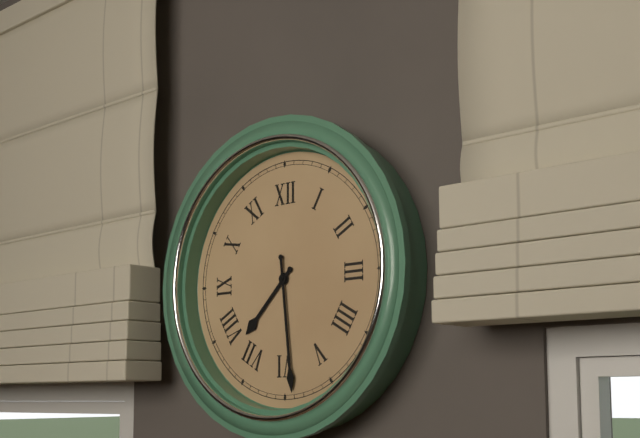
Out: 7,29
